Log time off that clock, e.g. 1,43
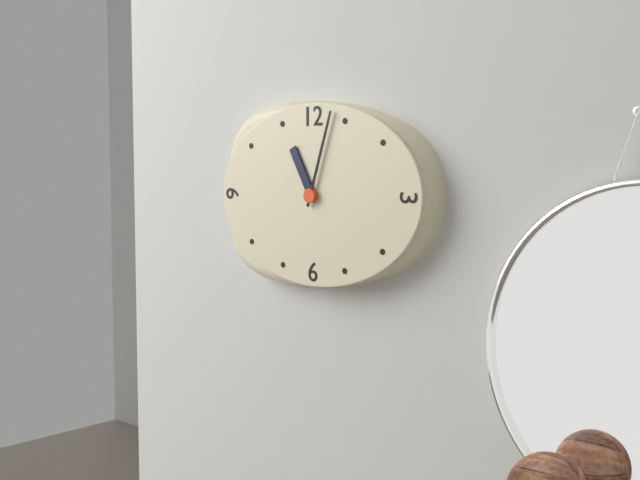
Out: 11,03
